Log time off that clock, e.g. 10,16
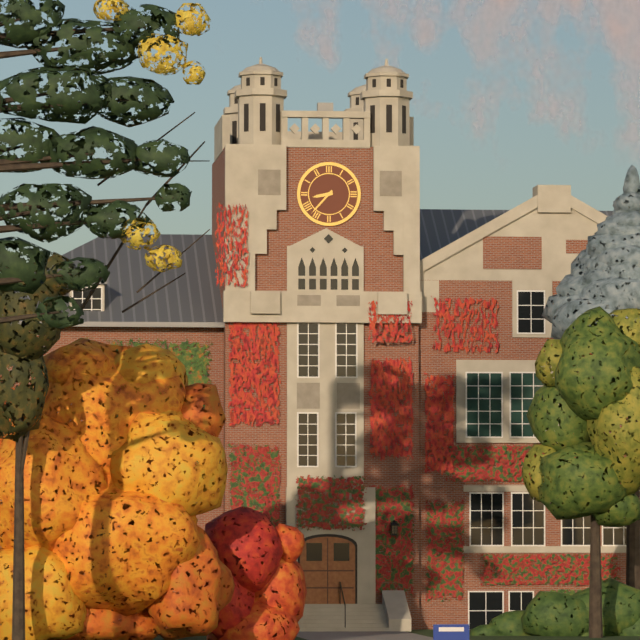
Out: 8,37
